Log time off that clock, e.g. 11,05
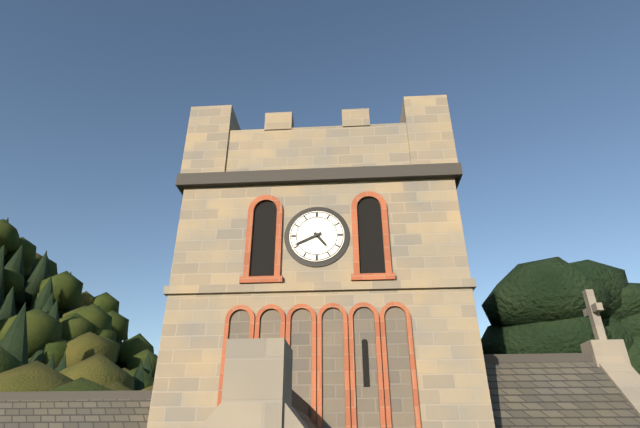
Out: 4,41
